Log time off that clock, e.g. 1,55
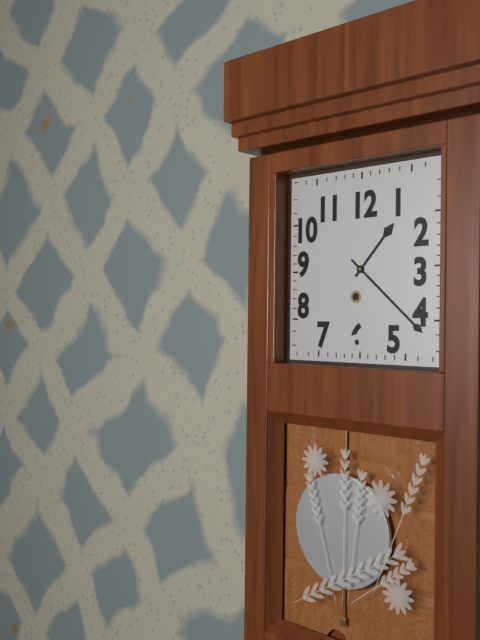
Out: 1,22
